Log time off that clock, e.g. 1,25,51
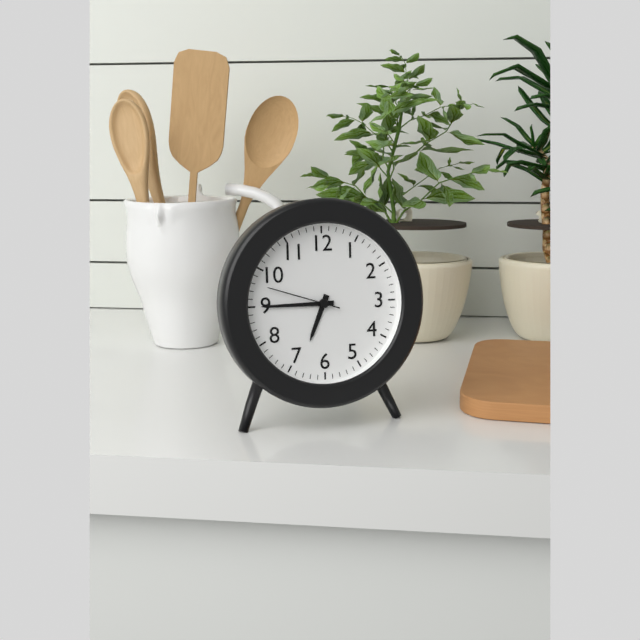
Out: 6,45,48
